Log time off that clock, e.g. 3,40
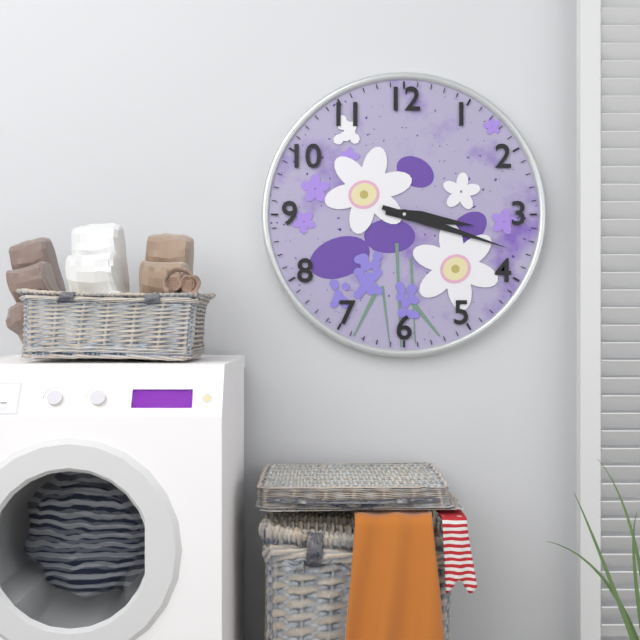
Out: 3,18
